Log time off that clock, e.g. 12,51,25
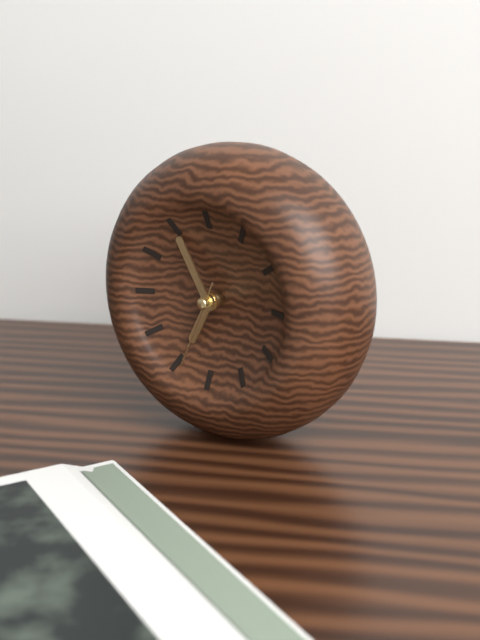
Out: 6,55,34
